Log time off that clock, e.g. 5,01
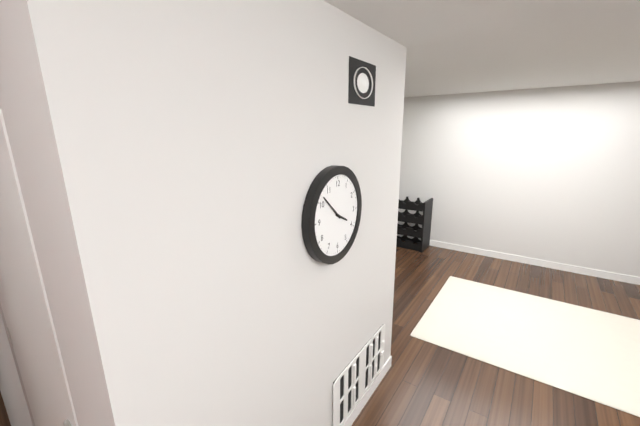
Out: 3,52
